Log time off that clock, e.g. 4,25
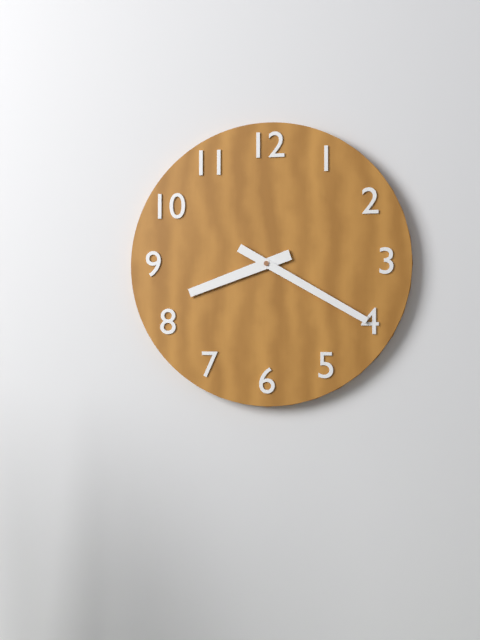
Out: 8,20
